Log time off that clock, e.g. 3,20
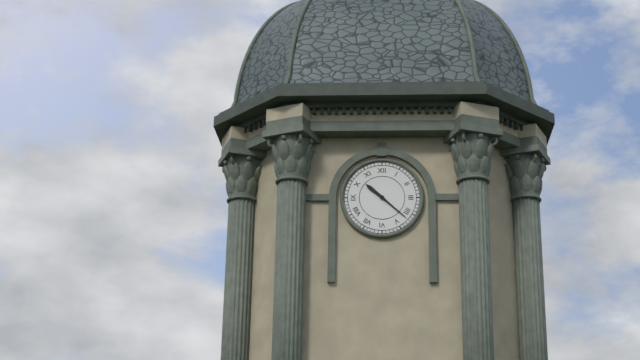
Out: 10,22
